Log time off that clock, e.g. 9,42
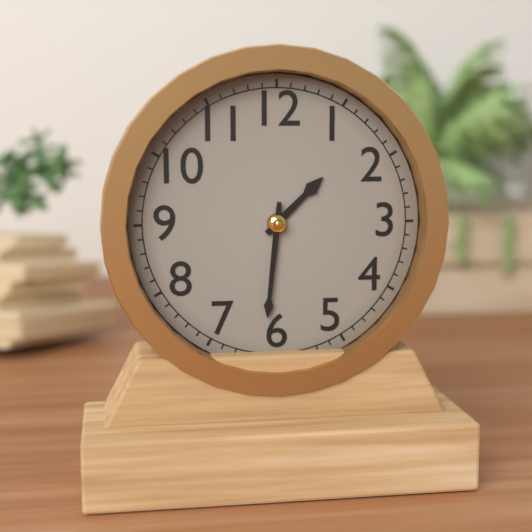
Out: 1,31
